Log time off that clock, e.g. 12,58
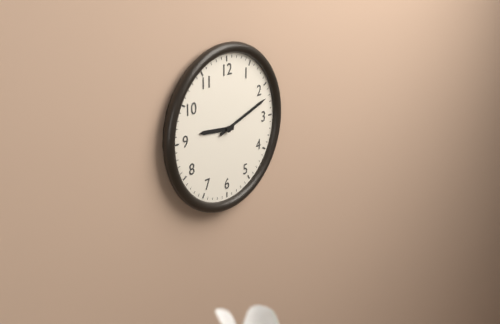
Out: 9,12
